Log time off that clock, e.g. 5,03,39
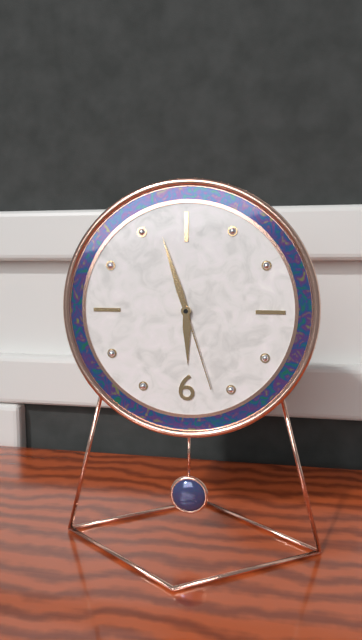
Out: 5,57,27
